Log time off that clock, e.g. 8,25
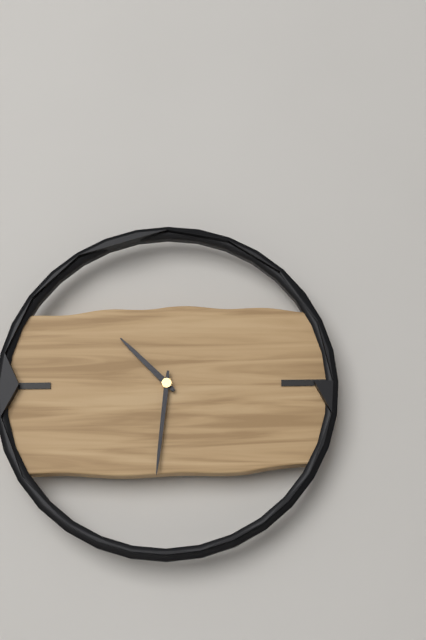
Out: 10,31
